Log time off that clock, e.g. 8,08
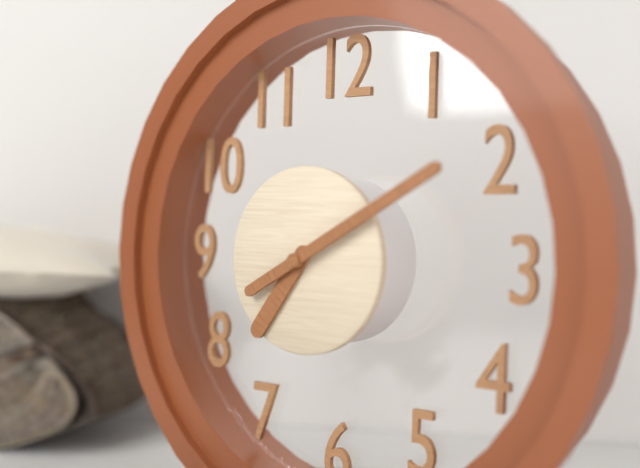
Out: 7,10
